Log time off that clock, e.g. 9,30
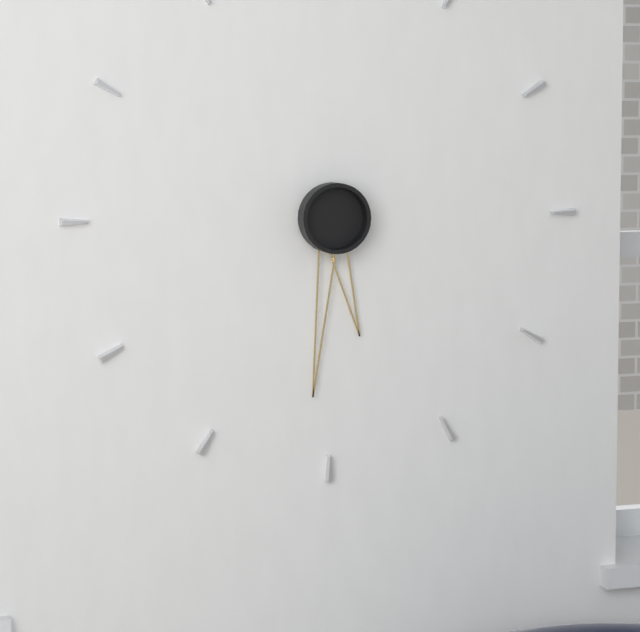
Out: 5,31
